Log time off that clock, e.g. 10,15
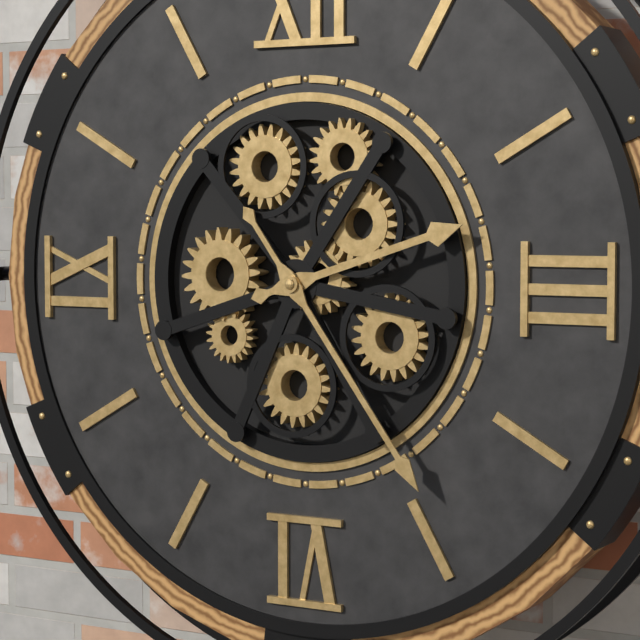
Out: 2,24
